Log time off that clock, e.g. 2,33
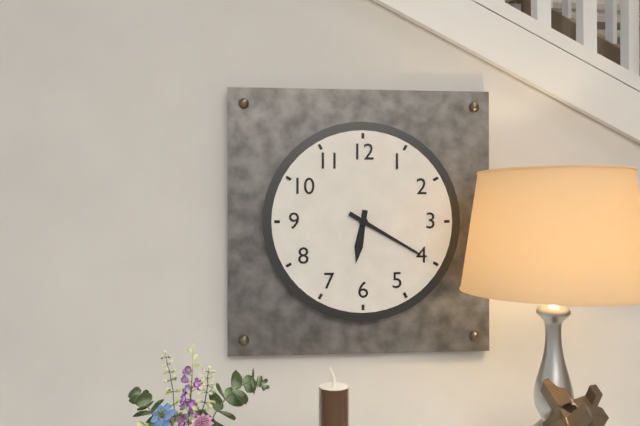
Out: 6,20
